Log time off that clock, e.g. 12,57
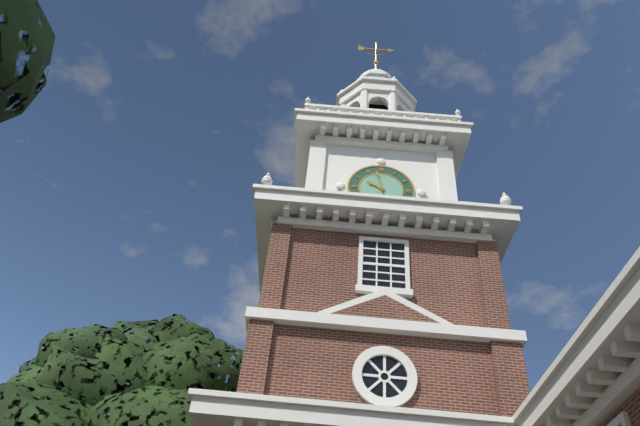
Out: 9,58
